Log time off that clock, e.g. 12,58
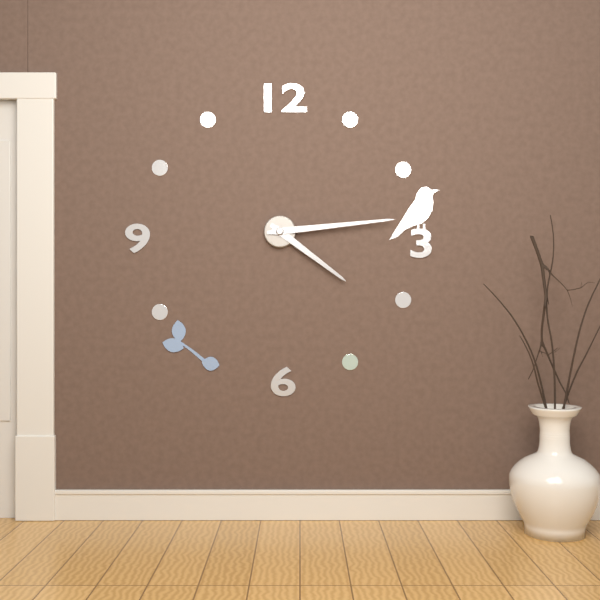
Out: 4,14
